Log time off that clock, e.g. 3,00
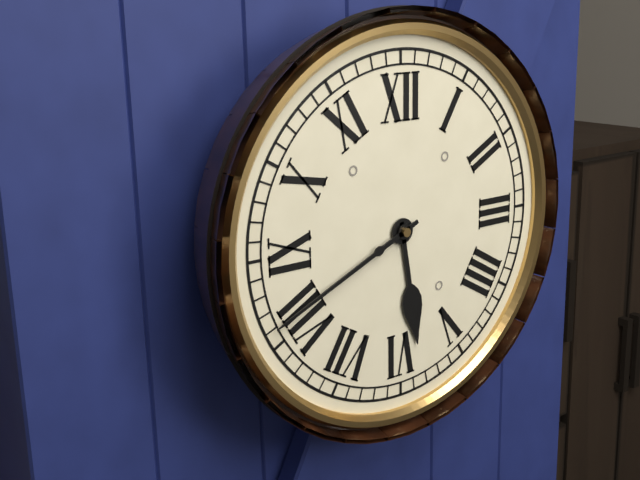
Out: 5,41
